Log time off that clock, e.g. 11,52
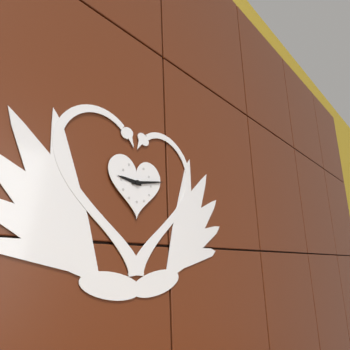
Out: 9,13
